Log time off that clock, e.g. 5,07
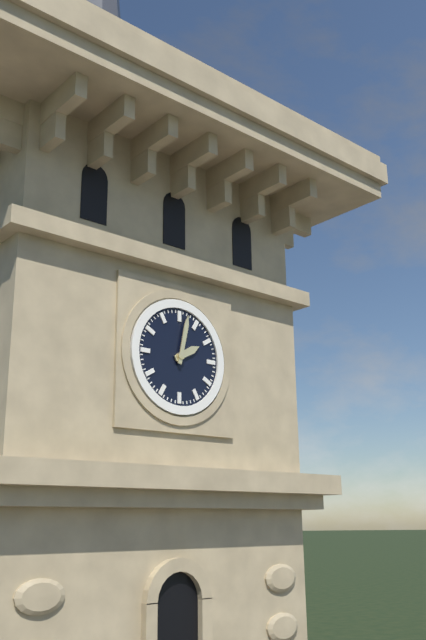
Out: 2,02
